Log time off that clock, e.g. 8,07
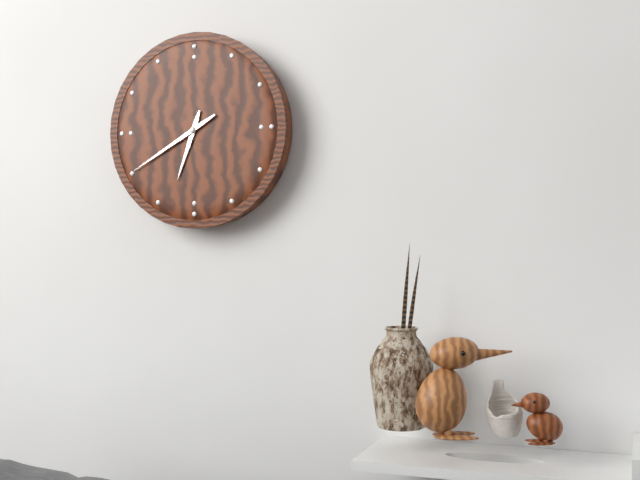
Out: 6,40
